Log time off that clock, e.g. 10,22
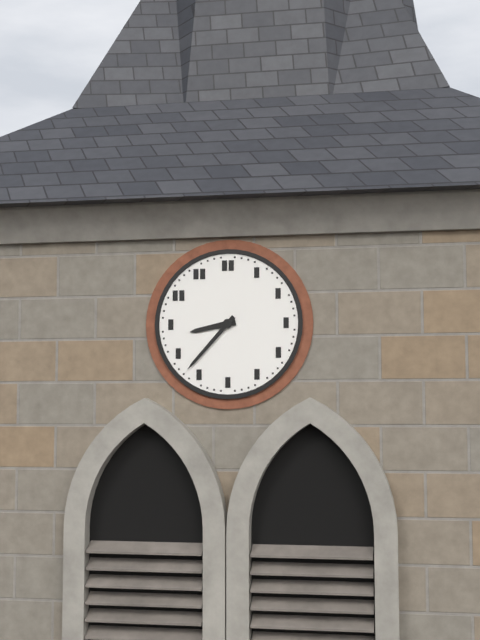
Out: 8,37
